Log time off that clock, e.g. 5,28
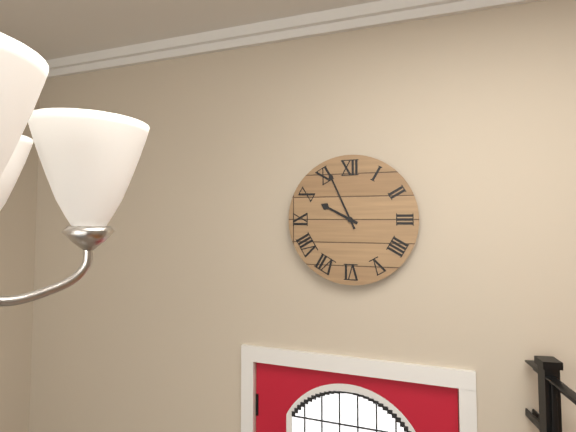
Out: 9,56
